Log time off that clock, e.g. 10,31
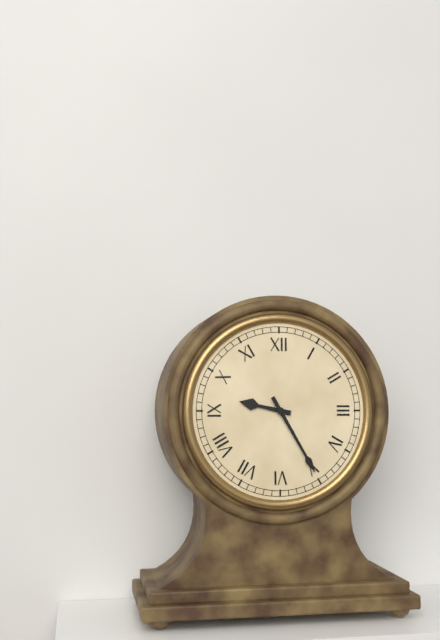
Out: 9,25
